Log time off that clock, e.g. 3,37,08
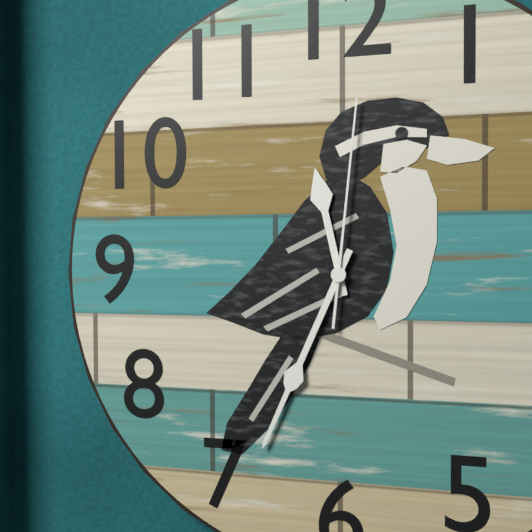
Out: 11,34,01
